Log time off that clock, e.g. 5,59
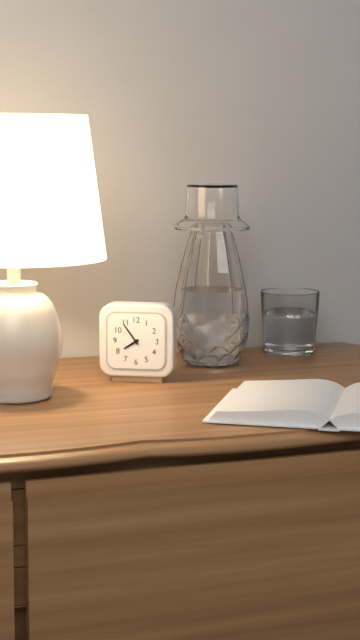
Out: 7,54
